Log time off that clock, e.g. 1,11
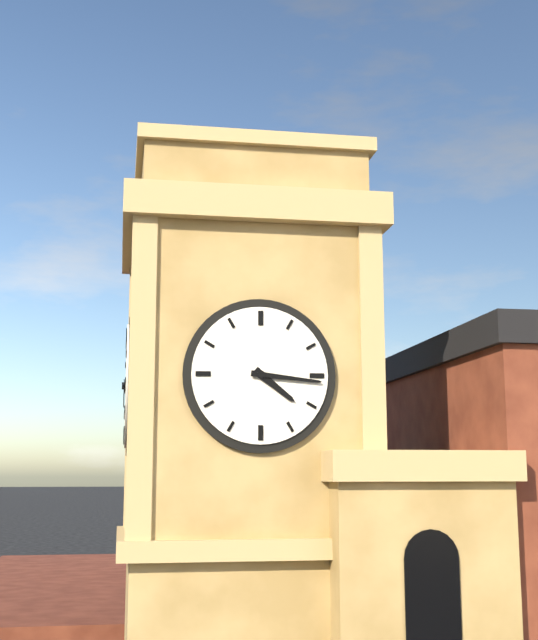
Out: 4,16
